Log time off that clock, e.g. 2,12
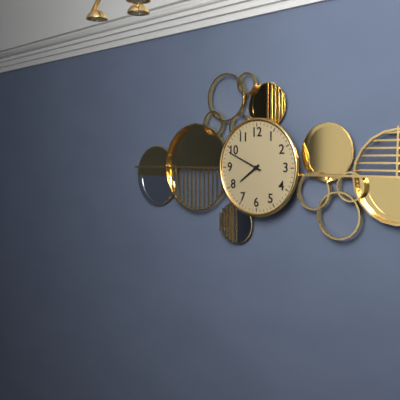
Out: 7,49
